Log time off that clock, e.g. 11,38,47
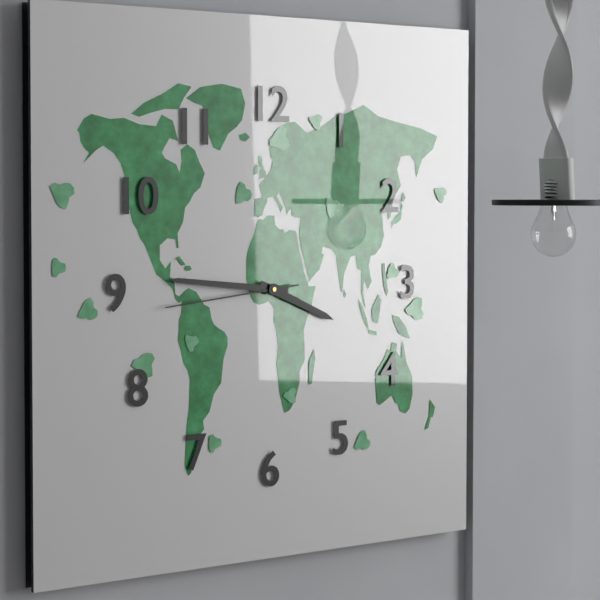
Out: 3,46,44
